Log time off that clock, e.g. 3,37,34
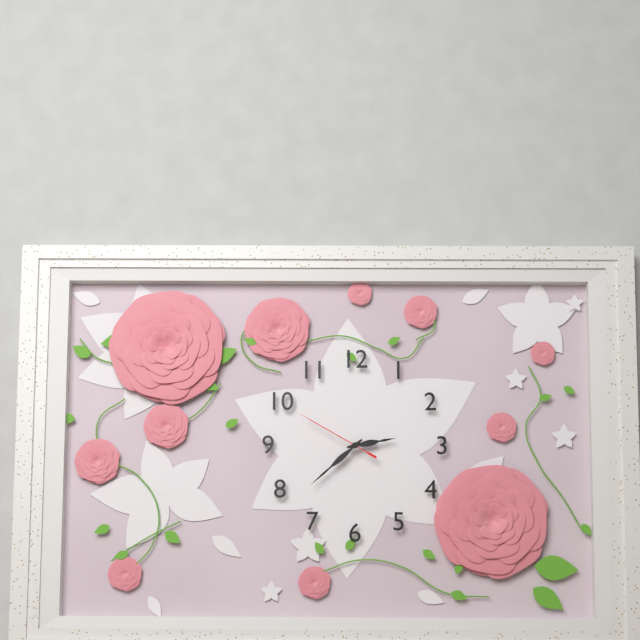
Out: 2,38,50
